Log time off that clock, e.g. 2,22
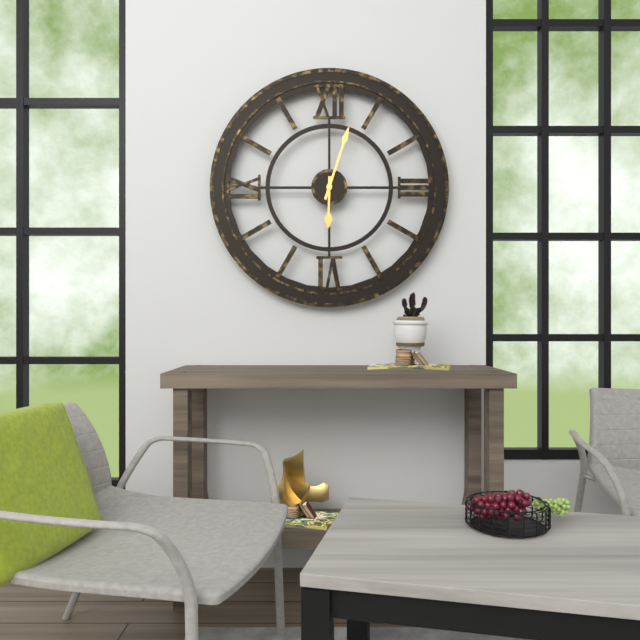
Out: 6,03
